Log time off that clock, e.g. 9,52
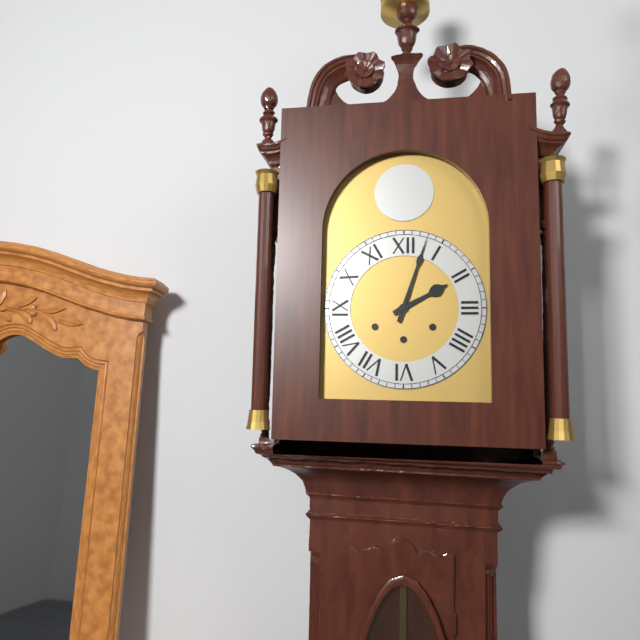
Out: 2,03
